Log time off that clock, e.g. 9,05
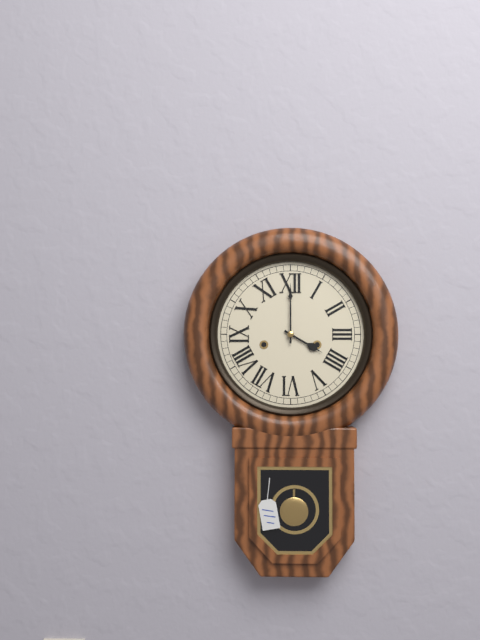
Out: 4,00
